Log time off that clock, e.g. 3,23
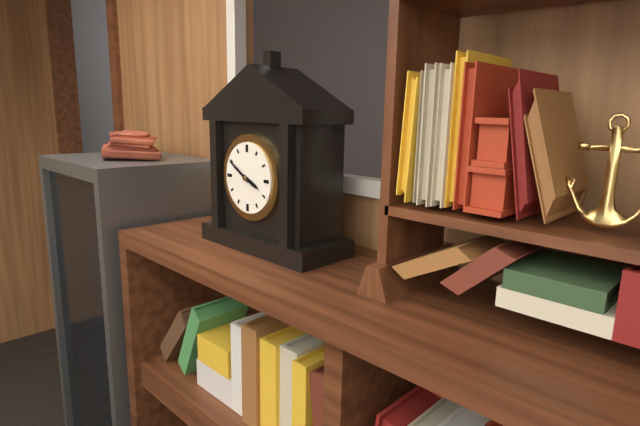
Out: 3,50
